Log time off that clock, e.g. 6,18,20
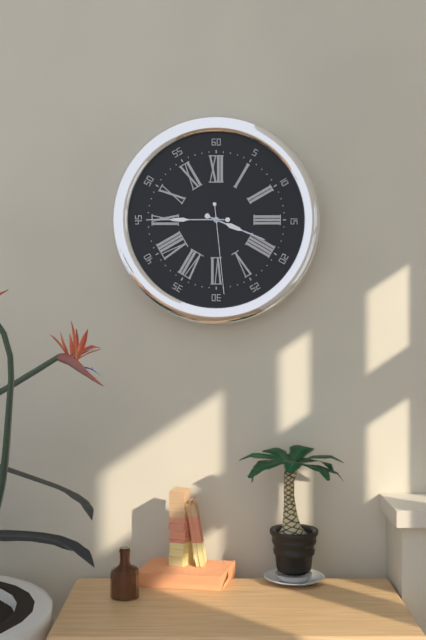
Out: 3,45,29
